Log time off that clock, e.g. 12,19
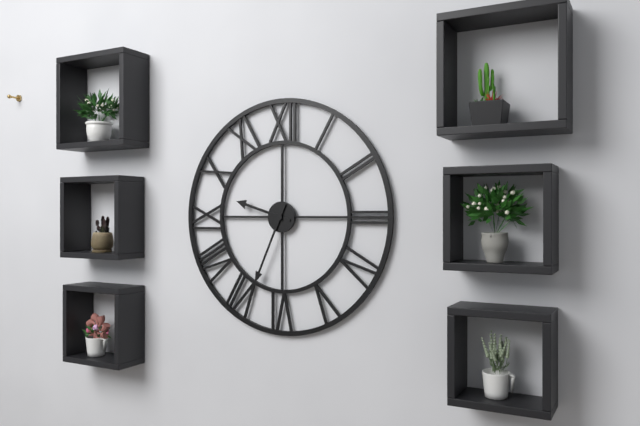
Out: 9,34
